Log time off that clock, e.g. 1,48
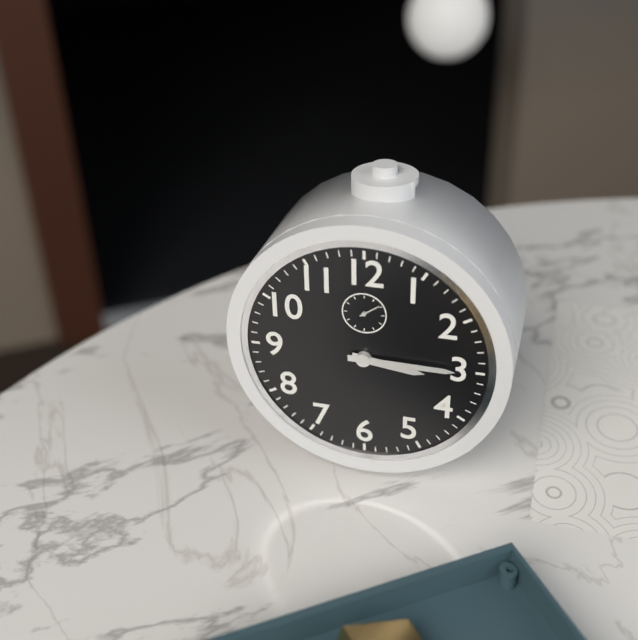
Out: 3,15
